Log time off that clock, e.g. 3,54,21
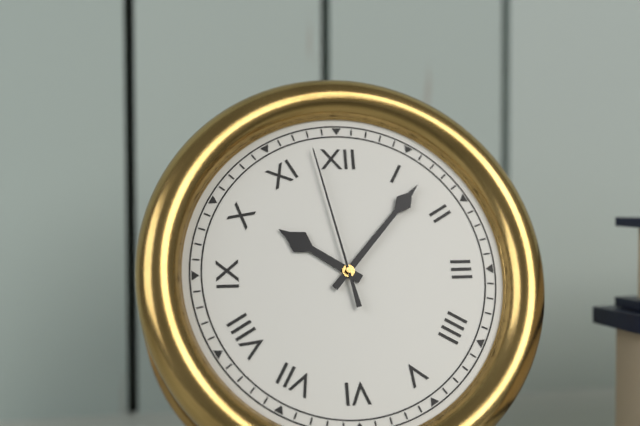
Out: 10,07,58
